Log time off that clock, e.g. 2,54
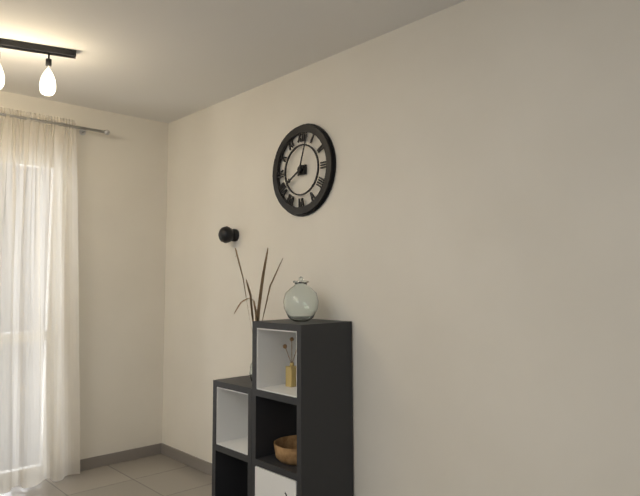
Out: 8,03
